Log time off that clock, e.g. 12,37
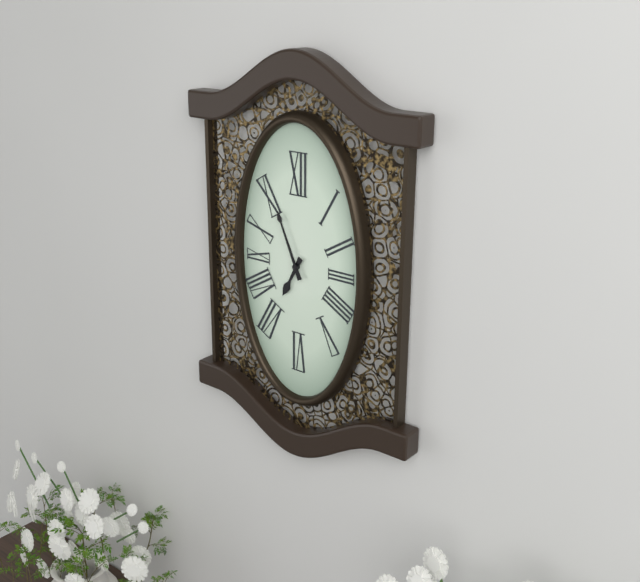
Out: 6,56
